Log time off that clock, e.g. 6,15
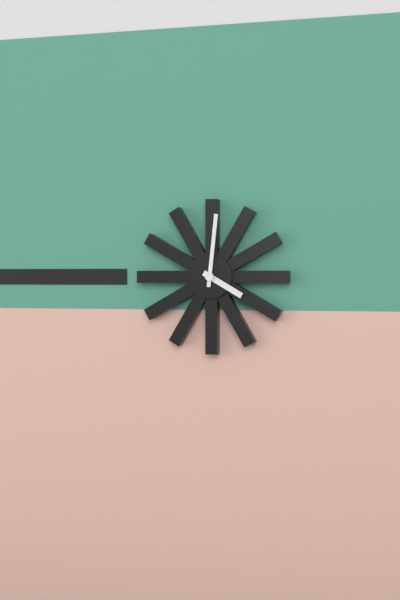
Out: 4,01
